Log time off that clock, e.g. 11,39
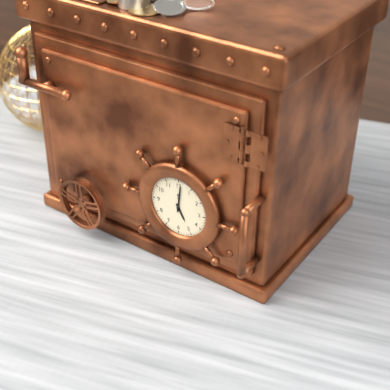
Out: 5,01
